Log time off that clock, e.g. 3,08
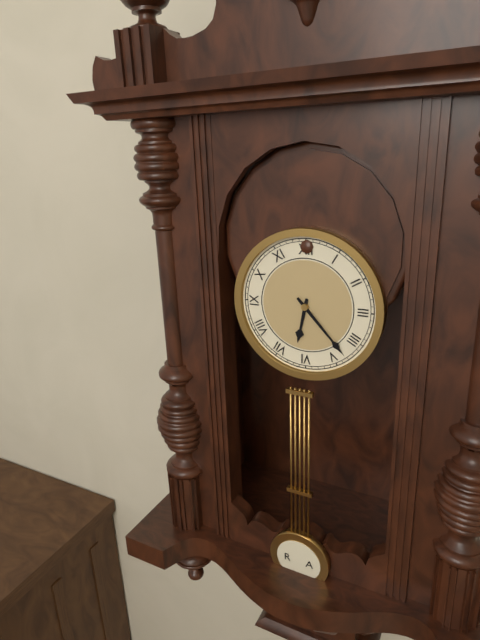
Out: 6,23
